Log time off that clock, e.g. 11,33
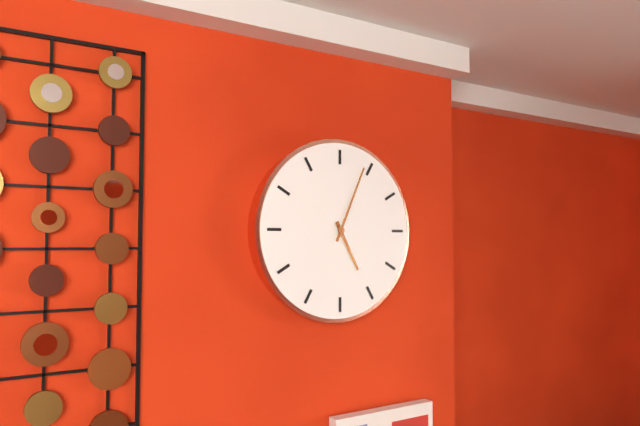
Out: 5,04
